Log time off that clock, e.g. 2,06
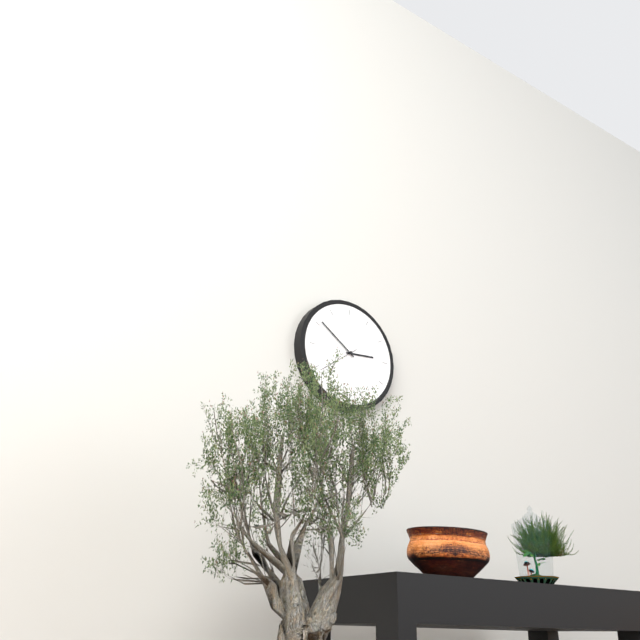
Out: 2,51
